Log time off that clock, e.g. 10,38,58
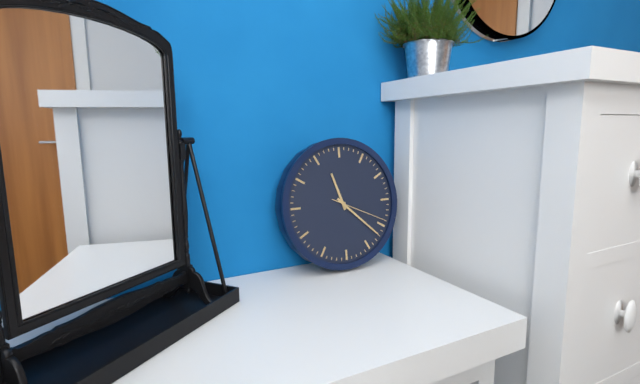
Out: 11,22,19
